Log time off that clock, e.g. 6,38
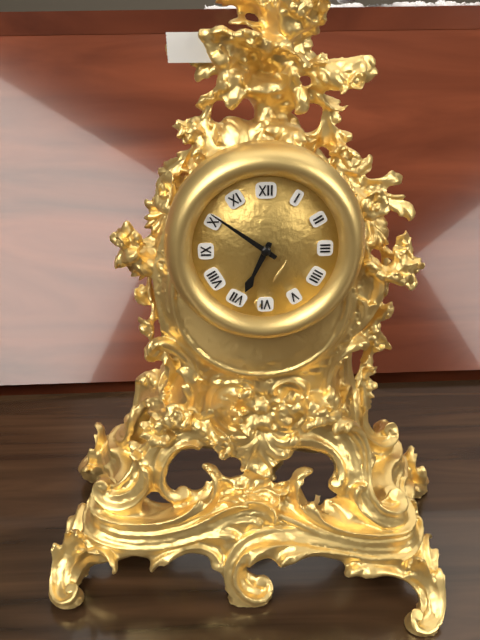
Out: 6,51
